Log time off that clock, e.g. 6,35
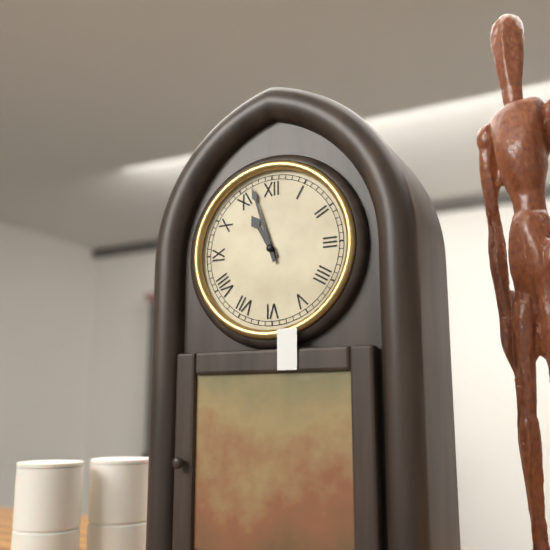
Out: 10,57
